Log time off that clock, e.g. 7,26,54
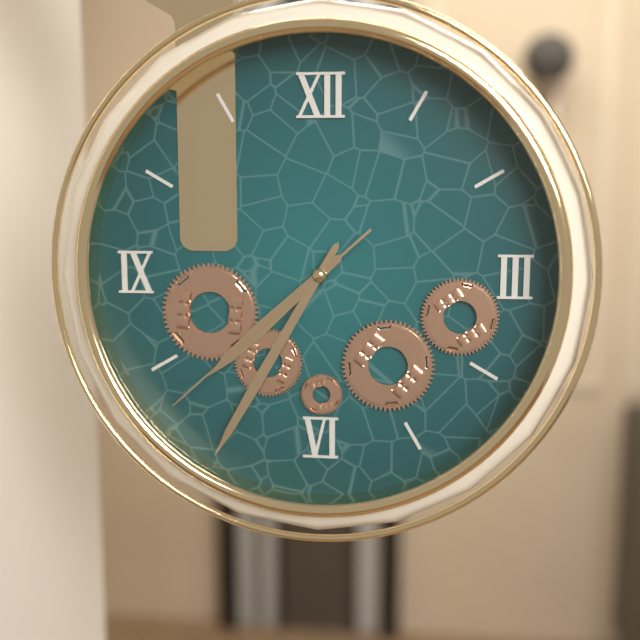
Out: 7,35,38
